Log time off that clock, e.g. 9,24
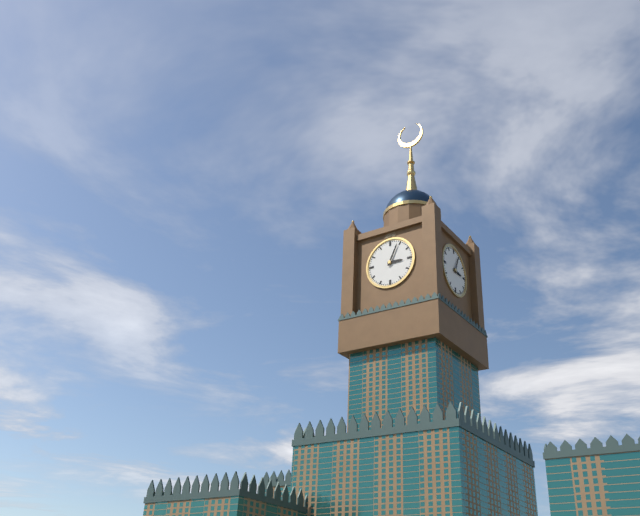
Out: 3,04
